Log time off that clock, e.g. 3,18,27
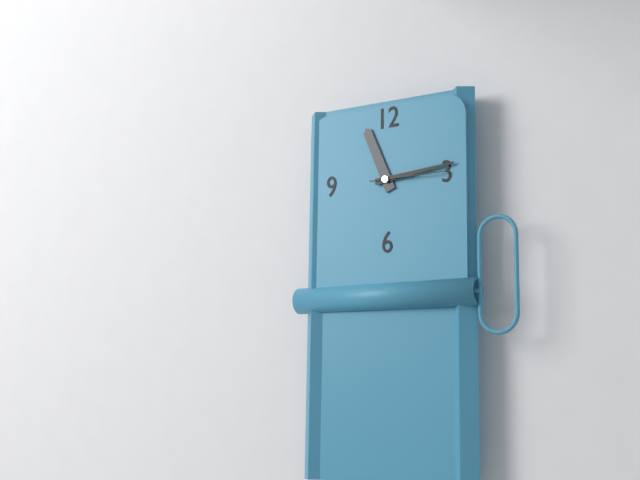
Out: 11,14,15
